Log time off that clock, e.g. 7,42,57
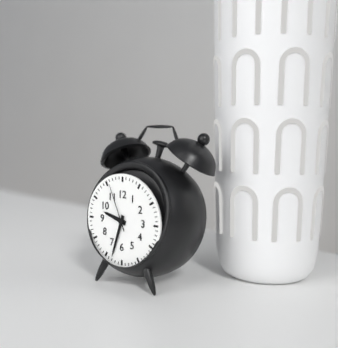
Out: 9,33,56
